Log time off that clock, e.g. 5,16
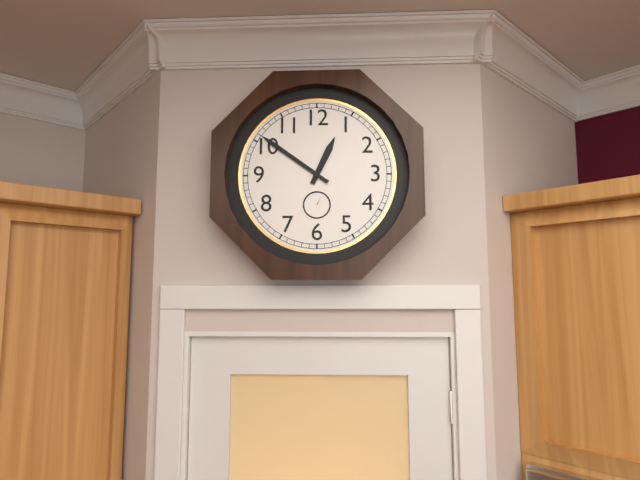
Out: 12,51
